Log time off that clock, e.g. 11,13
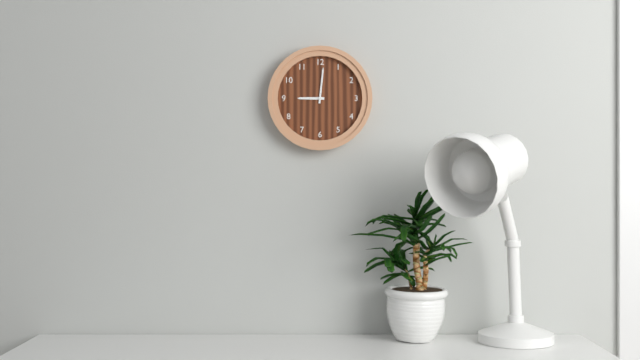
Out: 9,01
